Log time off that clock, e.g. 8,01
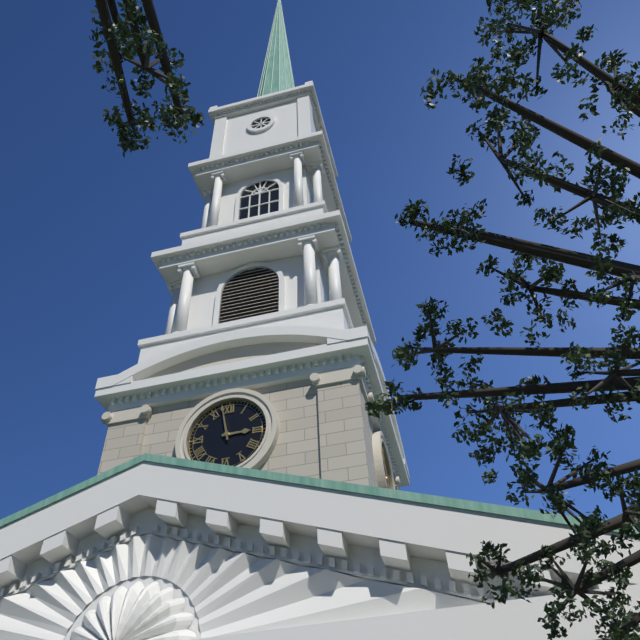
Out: 2,58
